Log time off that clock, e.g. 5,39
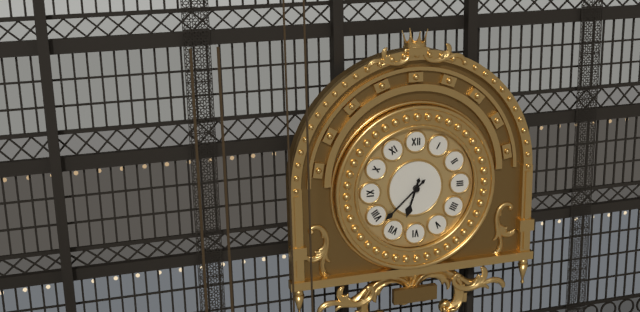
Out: 6,38
